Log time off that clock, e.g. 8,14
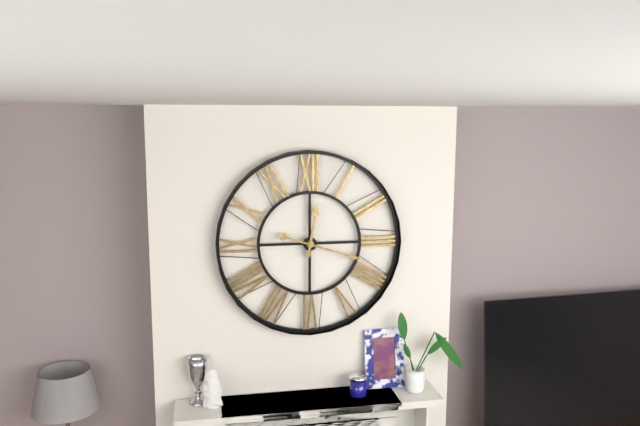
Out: 12,18
